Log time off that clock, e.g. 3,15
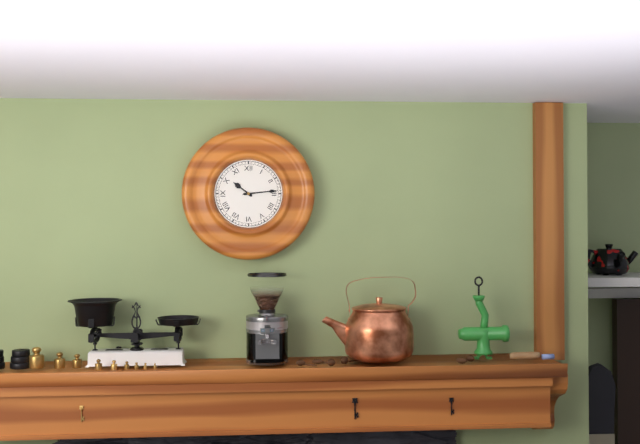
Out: 10,14
